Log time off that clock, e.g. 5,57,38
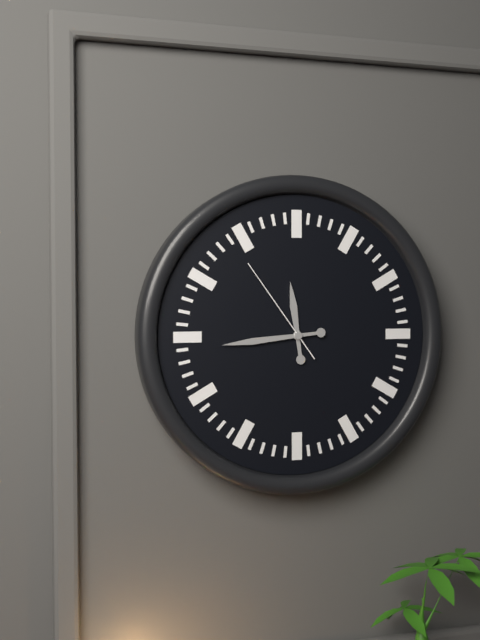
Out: 11,44,54
